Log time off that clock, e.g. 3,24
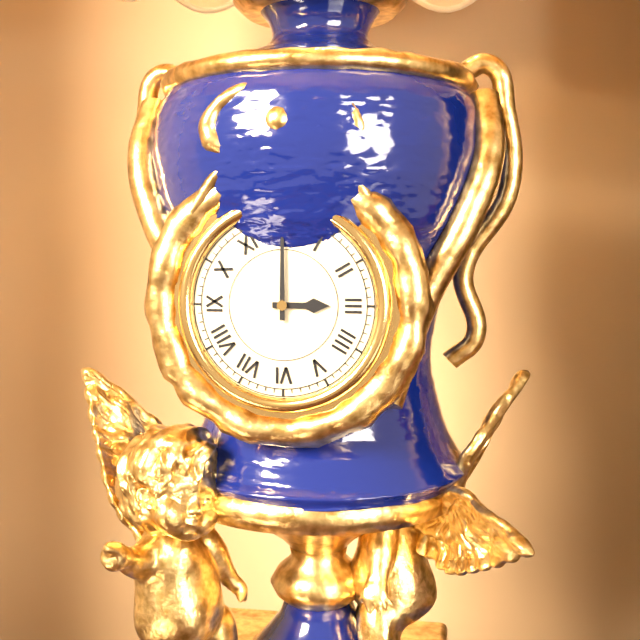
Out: 3,00
